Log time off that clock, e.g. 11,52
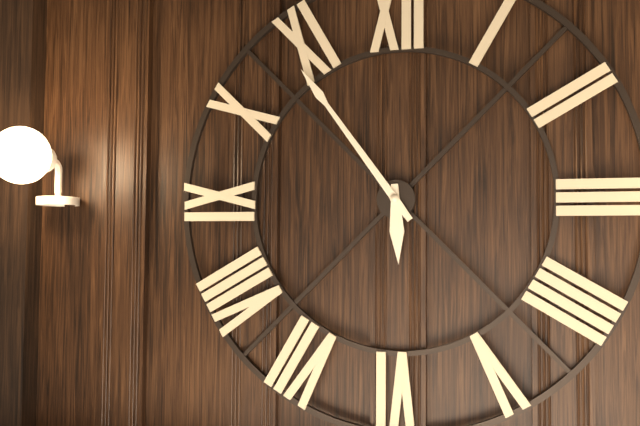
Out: 5,54
